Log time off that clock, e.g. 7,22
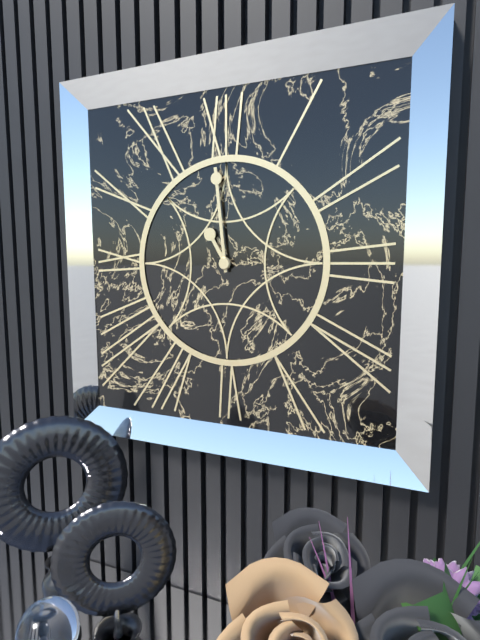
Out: 10,59
